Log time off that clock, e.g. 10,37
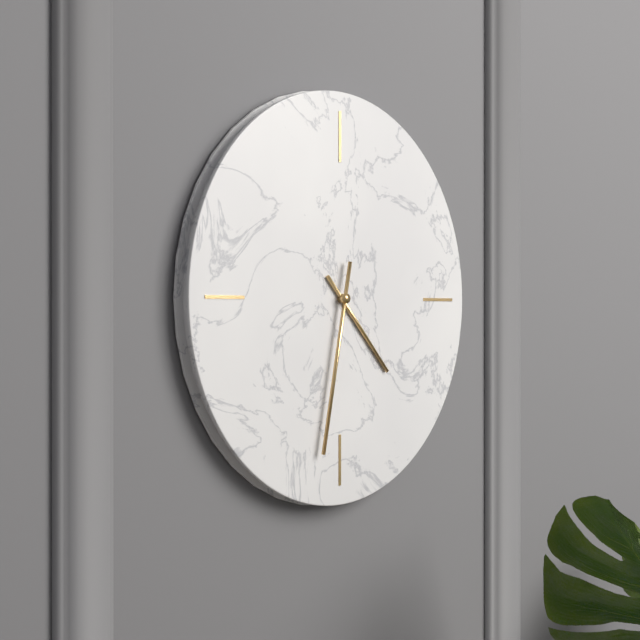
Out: 4,32
